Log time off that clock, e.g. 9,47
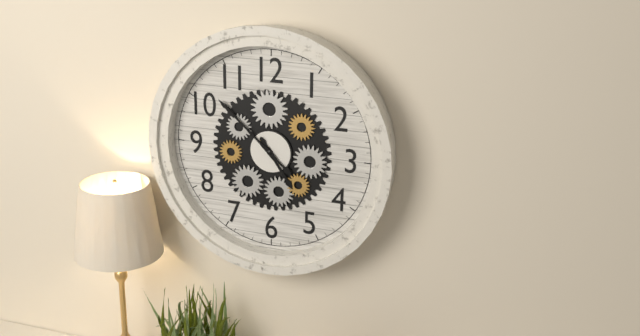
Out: 4,52
